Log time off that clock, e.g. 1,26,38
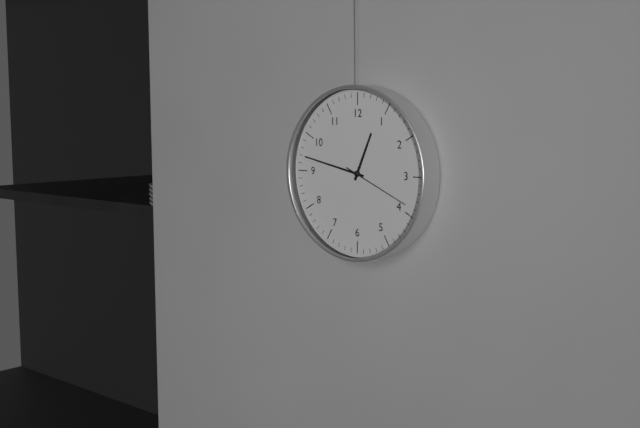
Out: 12,47,19
